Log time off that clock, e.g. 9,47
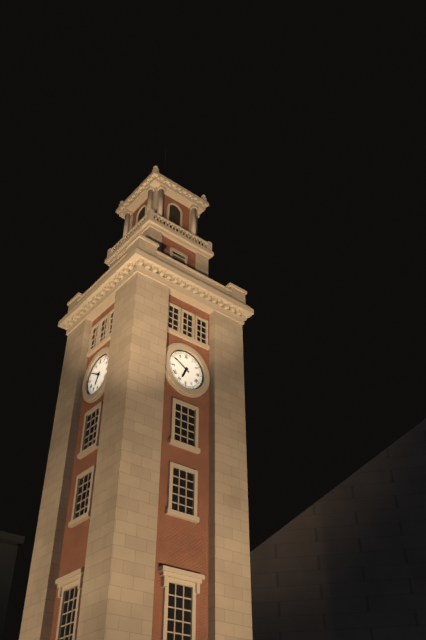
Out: 6,50
